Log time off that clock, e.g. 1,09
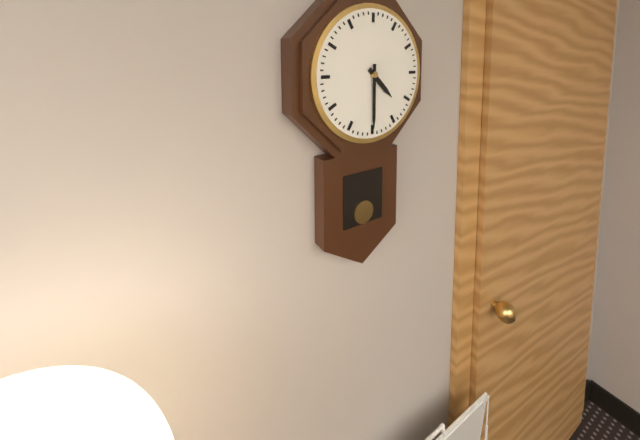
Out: 4,30
